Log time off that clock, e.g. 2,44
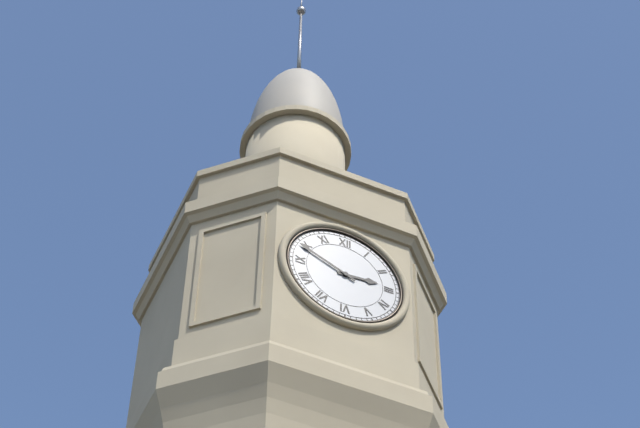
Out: 2,49
